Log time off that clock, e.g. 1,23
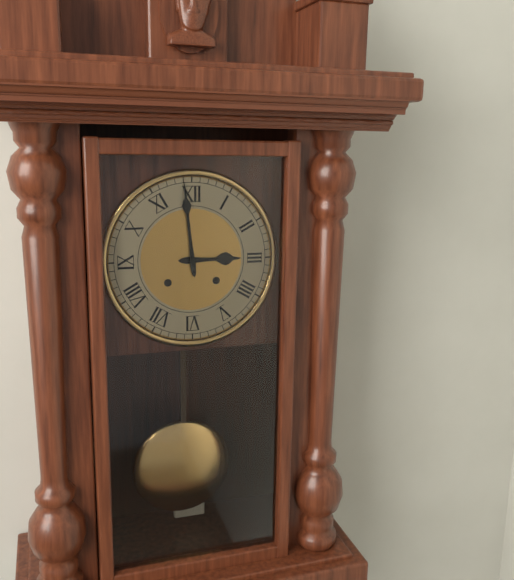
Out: 2,59
